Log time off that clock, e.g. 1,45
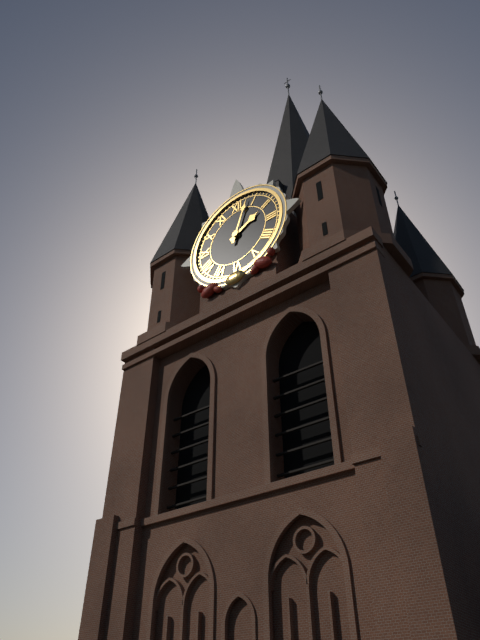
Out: 2,03
